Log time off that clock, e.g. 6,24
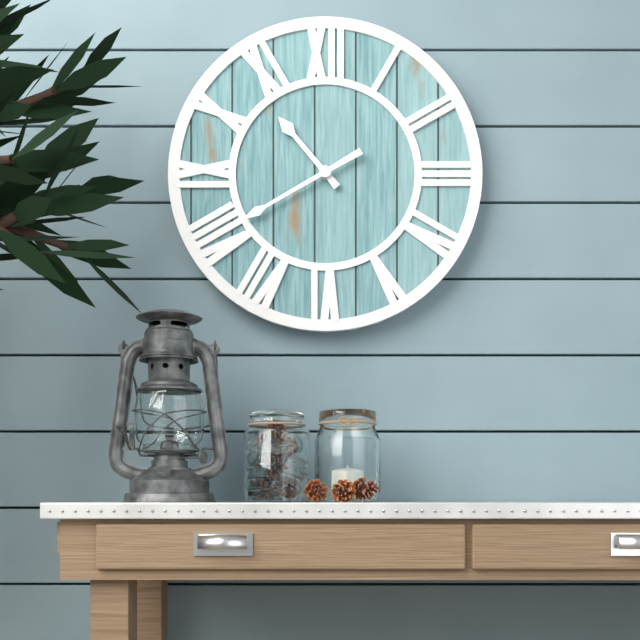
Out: 10,40
